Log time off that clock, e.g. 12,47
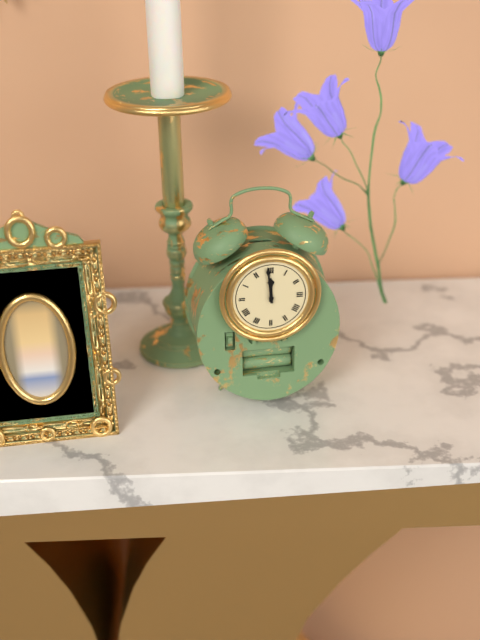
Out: 11,59
